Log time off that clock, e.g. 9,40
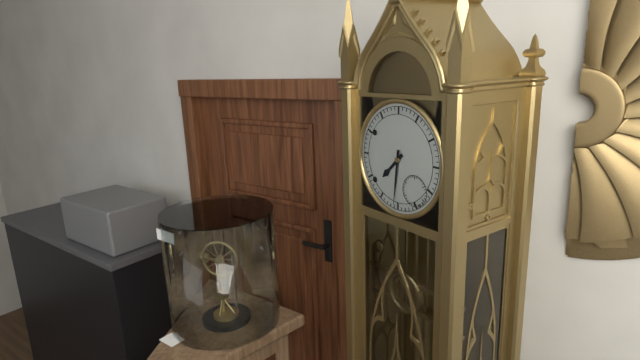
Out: 7,31
